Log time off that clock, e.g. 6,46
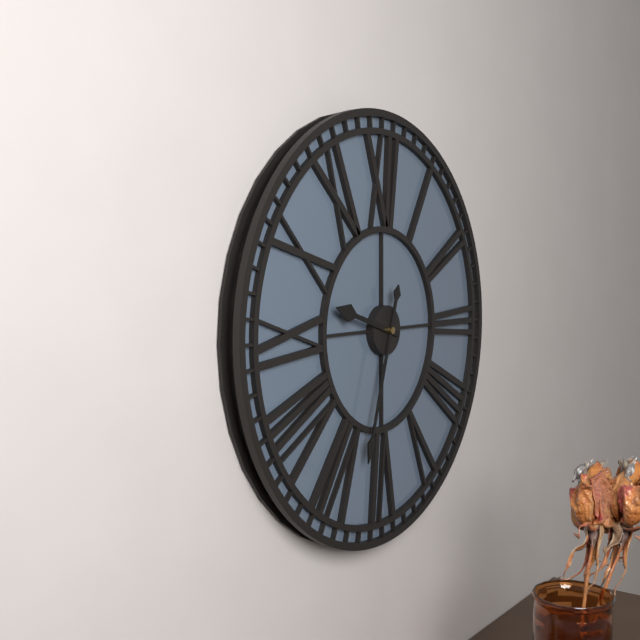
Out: 9,33
